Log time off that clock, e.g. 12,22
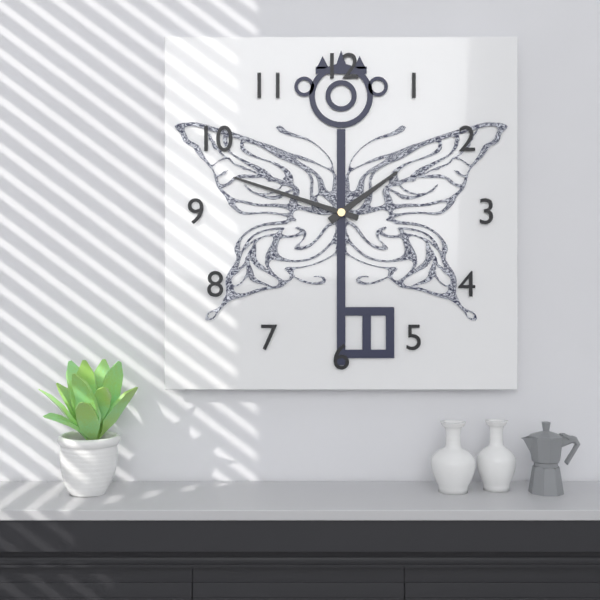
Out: 1,48
